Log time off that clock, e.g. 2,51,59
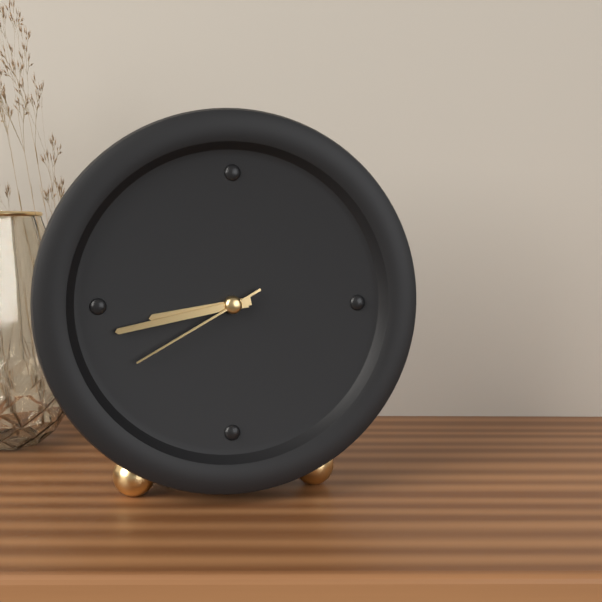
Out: 8,43,40
